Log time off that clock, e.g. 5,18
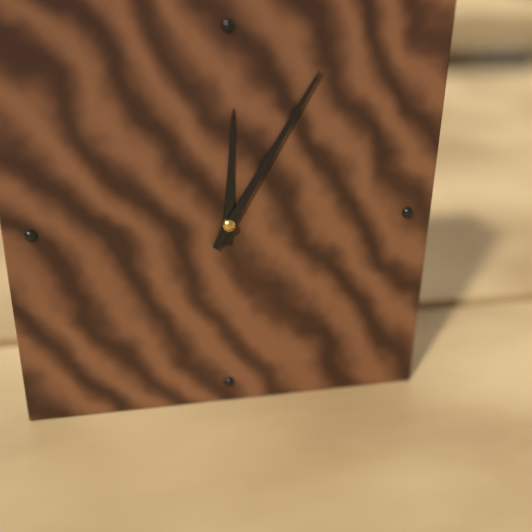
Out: 12,05
